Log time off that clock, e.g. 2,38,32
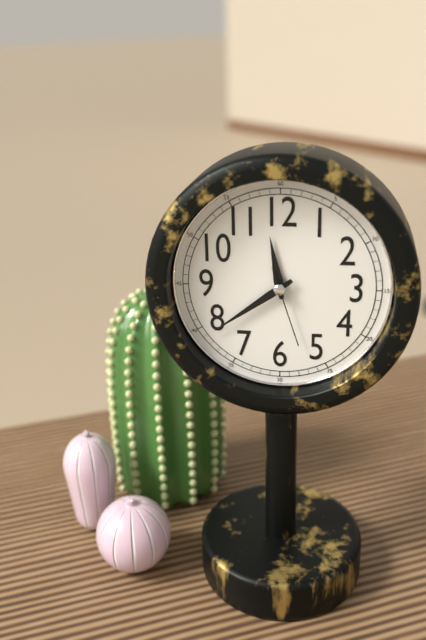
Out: 11,39,27
